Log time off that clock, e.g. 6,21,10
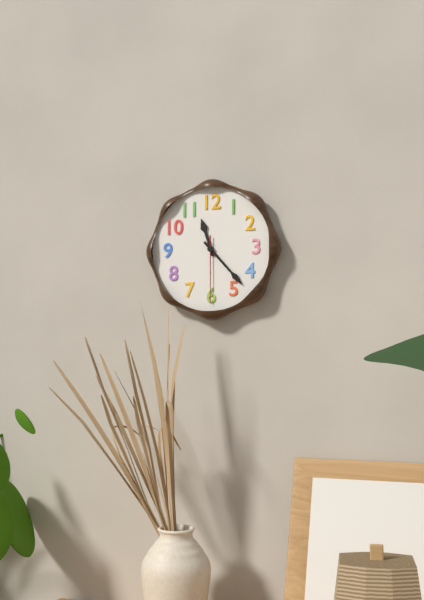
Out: 11,23,30
